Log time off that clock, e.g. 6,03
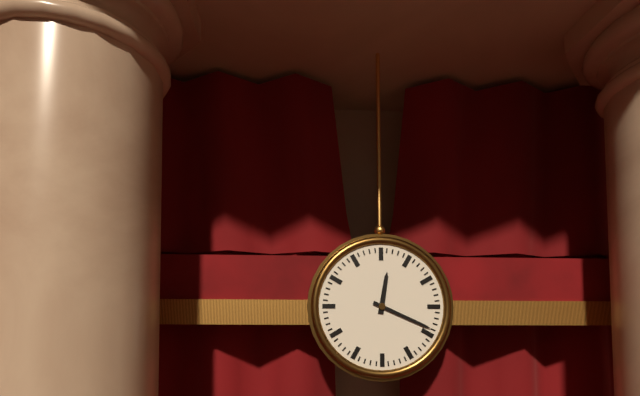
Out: 12,19
